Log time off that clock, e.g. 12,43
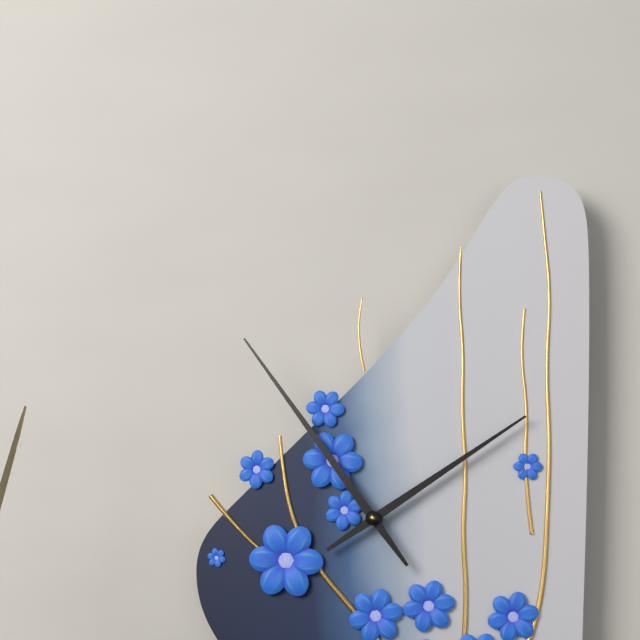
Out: 1,54
